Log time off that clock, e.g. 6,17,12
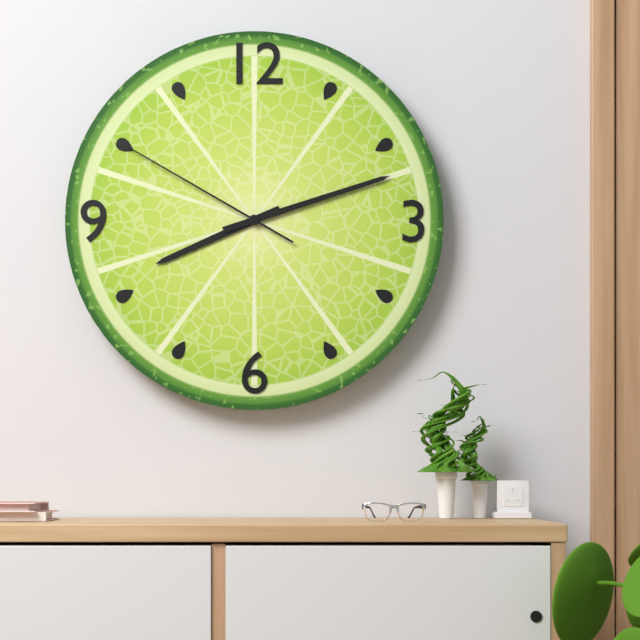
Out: 8,12,50
